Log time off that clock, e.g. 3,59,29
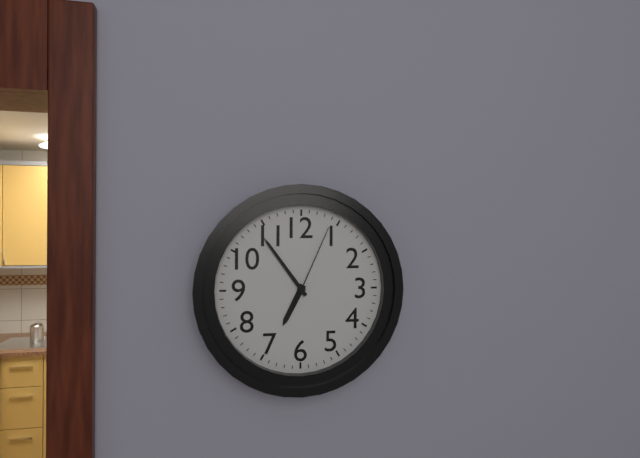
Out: 6,54,04
